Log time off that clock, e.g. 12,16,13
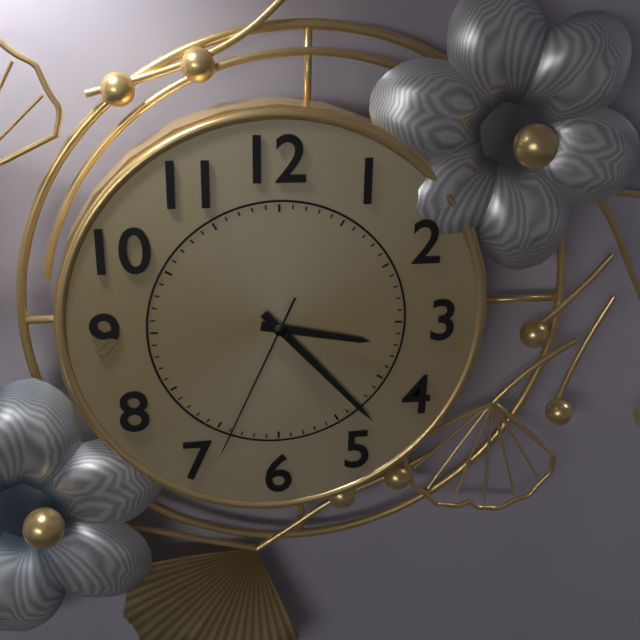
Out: 3,23,34
